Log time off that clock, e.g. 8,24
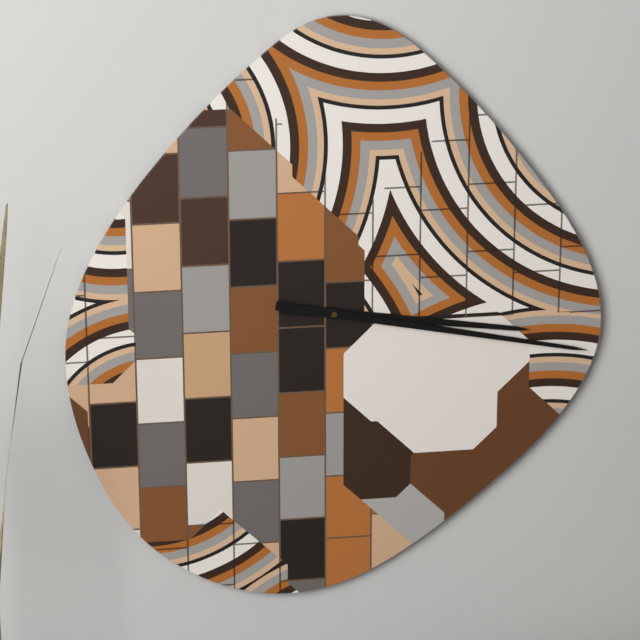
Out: 3,17
